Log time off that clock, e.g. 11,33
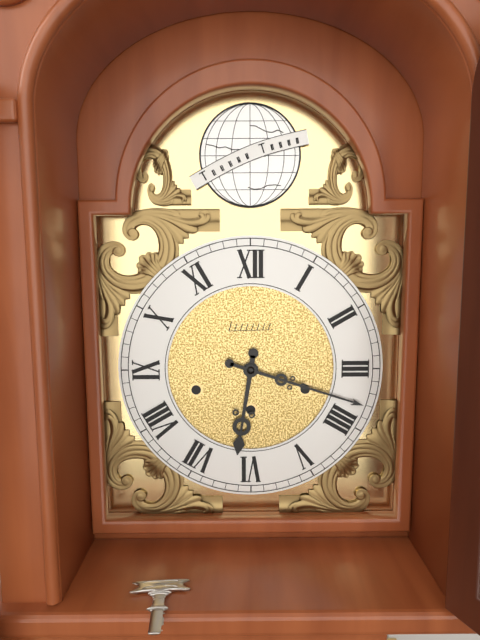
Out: 6,18
